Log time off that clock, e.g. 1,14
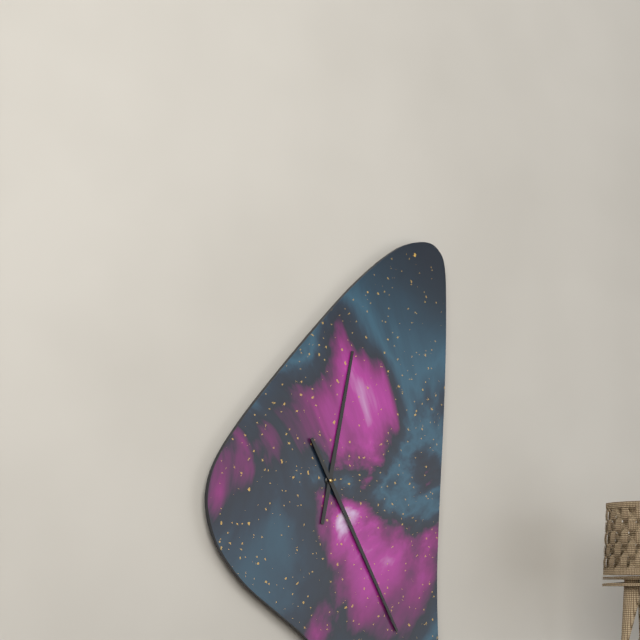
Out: 12,25
